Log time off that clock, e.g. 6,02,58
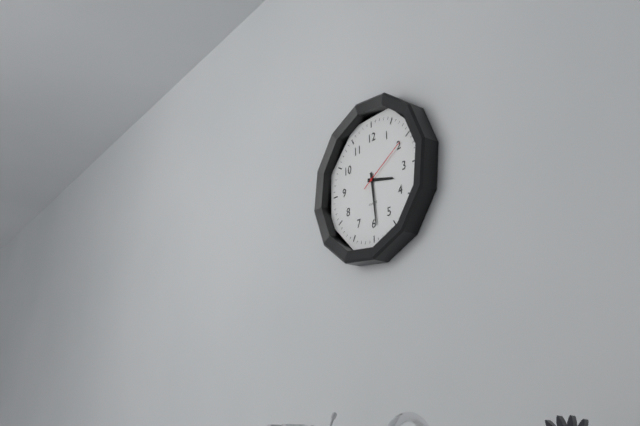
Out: 3,29,10
